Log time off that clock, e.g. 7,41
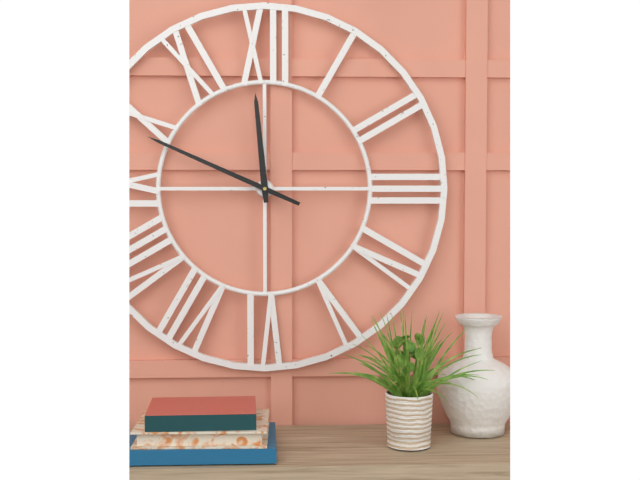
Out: 11,49
